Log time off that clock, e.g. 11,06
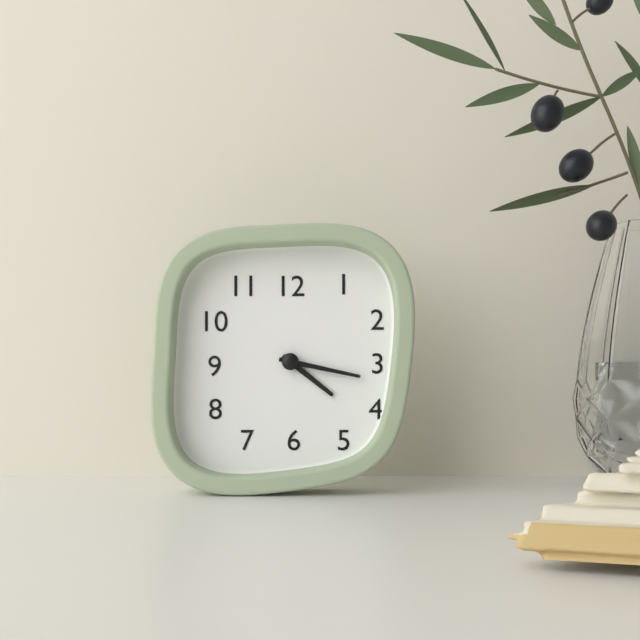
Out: 4,17
